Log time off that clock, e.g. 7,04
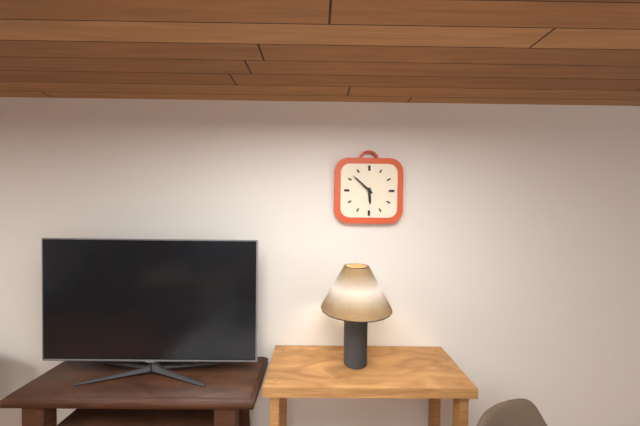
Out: 5,52
